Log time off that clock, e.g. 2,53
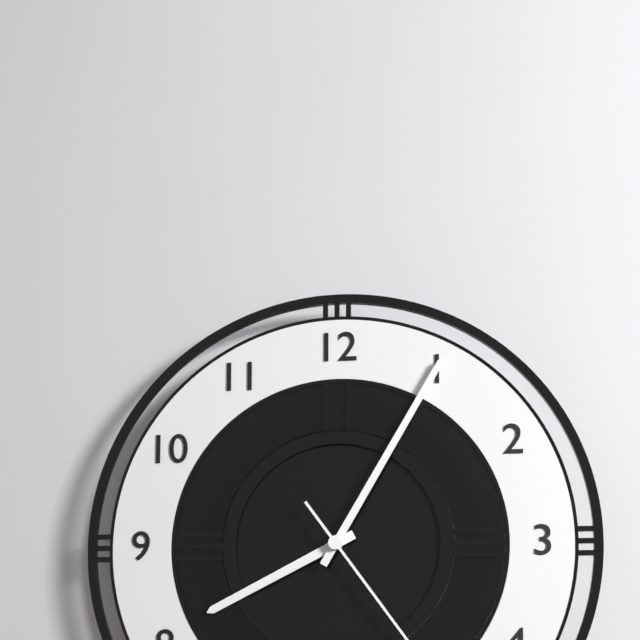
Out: 8,05
